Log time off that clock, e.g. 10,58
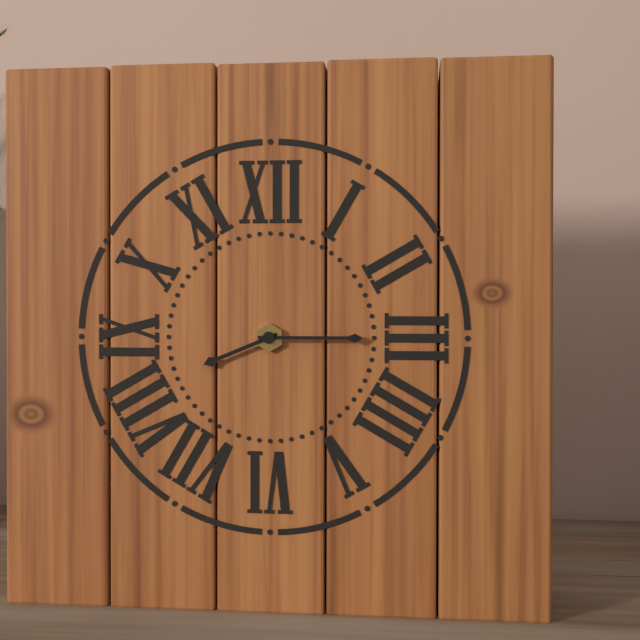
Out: 8,15
